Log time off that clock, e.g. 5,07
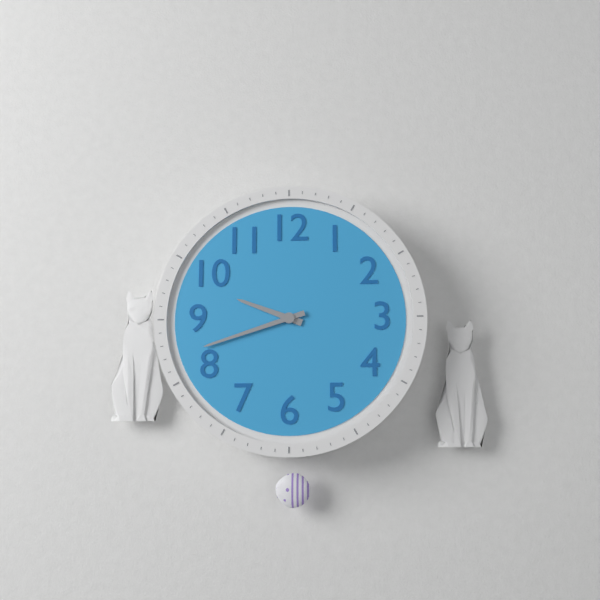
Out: 9,42
